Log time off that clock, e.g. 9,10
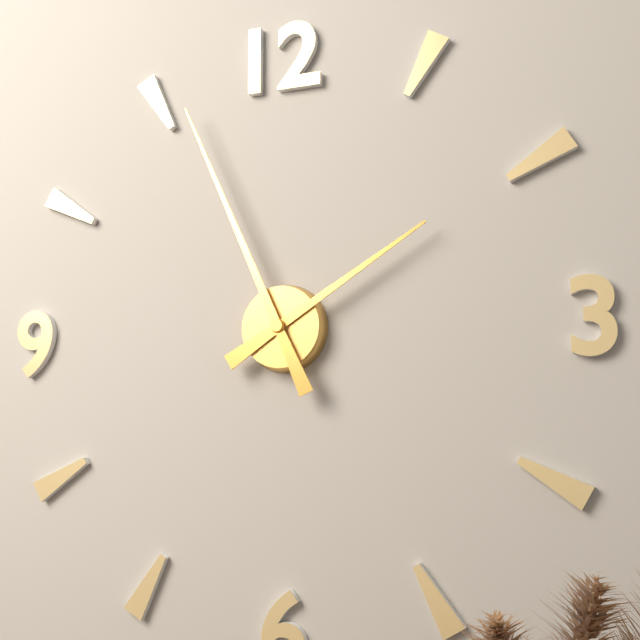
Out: 1,56
